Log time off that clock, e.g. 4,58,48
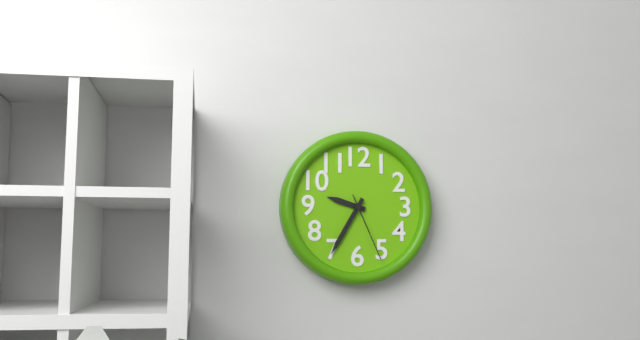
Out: 9,35,26
